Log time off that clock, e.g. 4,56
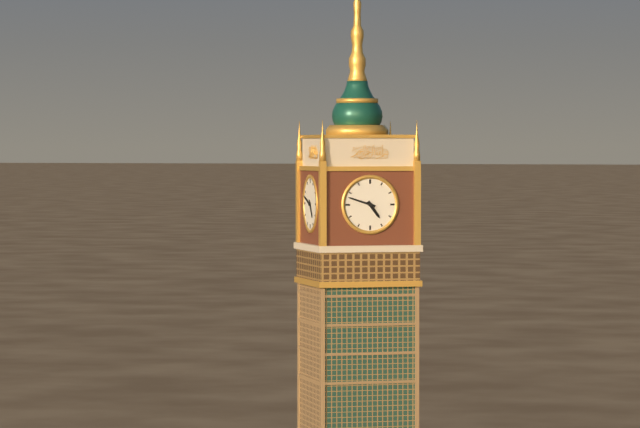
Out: 4,48
